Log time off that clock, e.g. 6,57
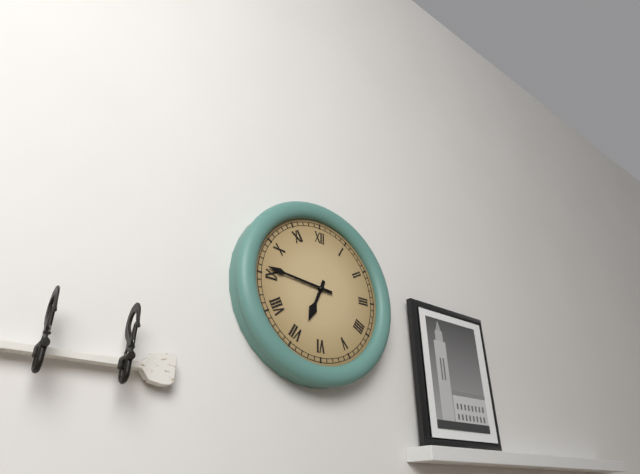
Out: 6,46
